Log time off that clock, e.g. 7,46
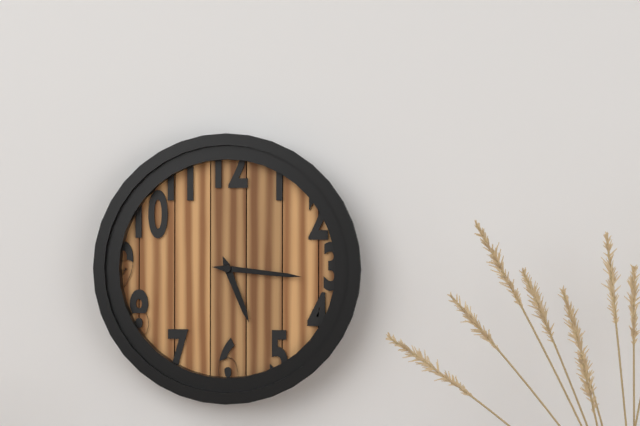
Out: 5,16
